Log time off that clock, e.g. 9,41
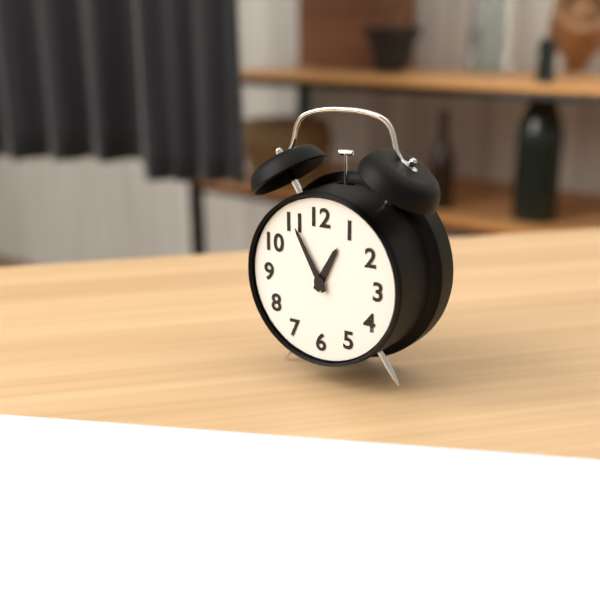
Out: 12,55
